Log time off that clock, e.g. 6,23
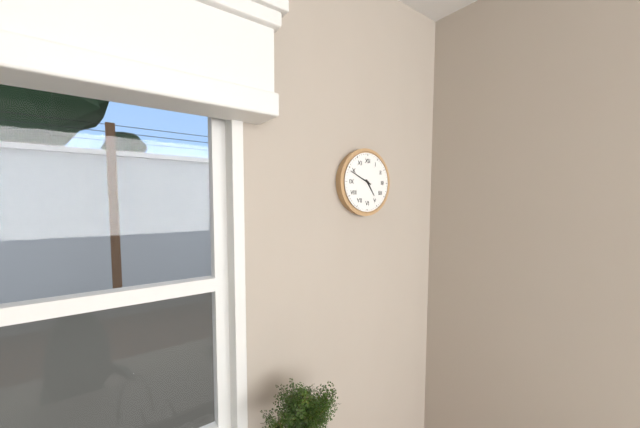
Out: 4,49
